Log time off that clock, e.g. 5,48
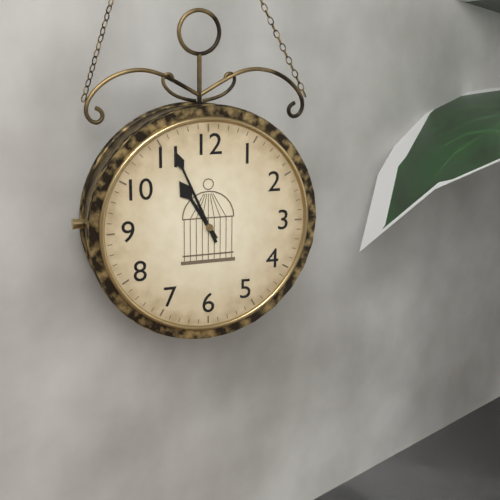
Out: 10,56
